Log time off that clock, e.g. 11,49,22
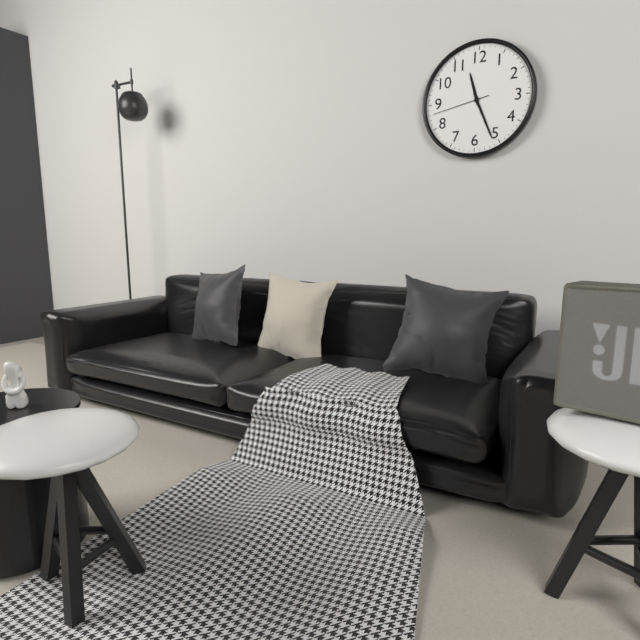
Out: 11,26,43
